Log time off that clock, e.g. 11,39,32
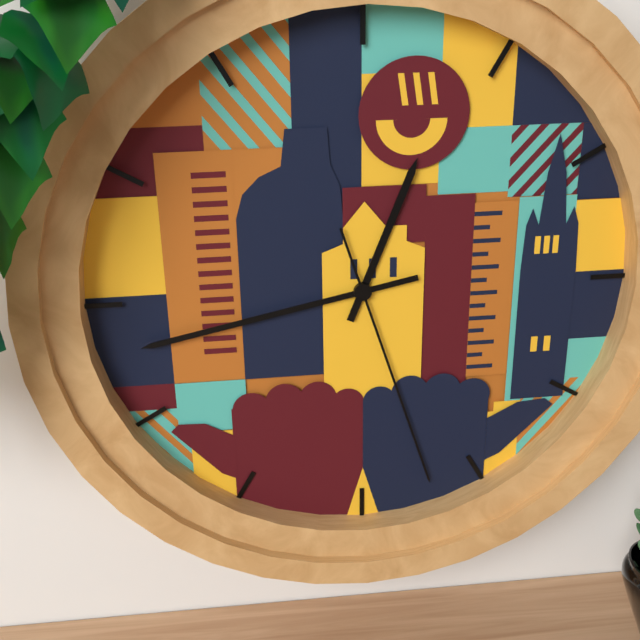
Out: 12,43,27
